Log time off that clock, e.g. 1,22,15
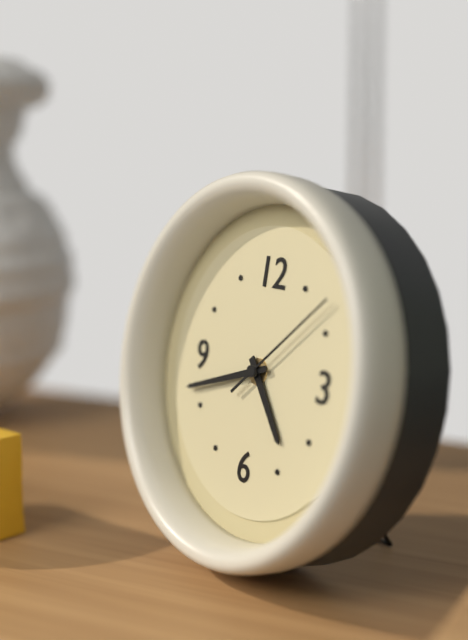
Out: 4,42,08
